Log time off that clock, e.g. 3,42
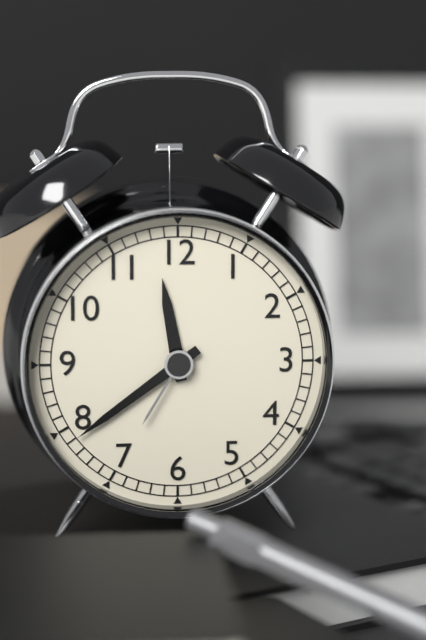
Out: 11,39
